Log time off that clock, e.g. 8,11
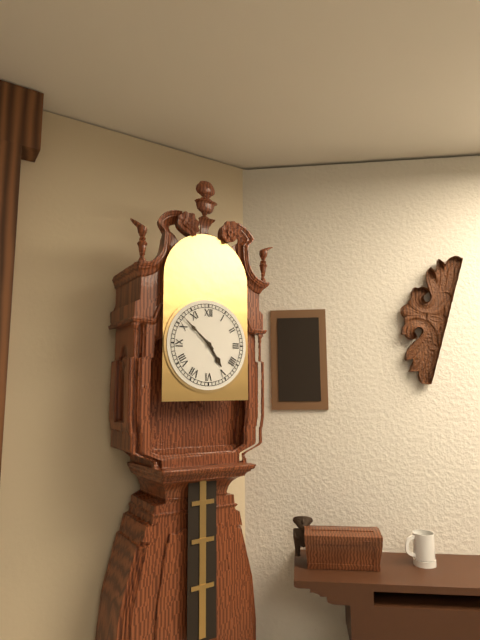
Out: 4,52
